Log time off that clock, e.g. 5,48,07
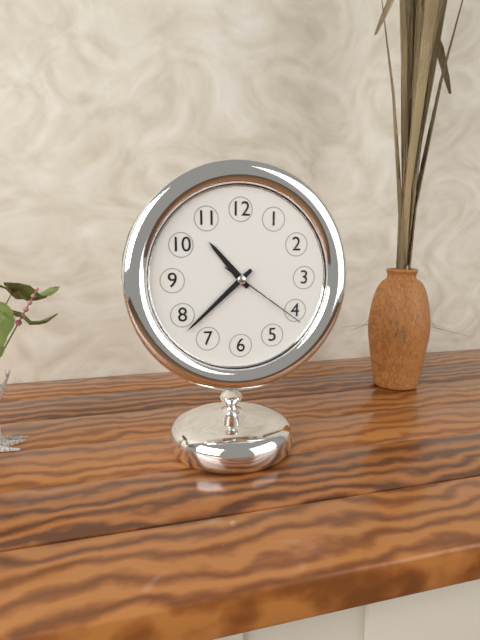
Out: 10,38,21
